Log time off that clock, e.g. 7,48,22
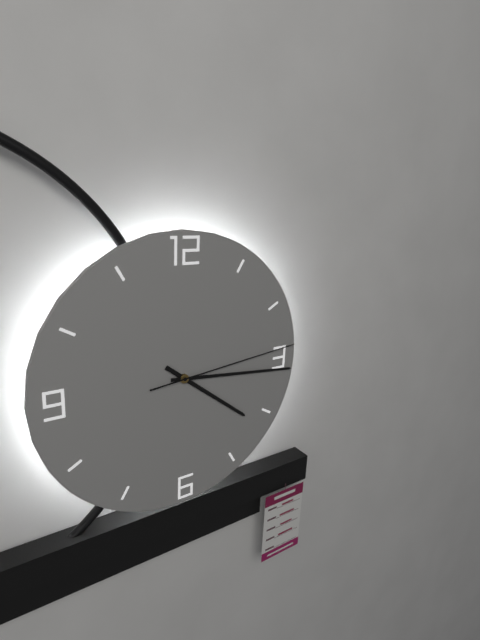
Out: 4,16,14
